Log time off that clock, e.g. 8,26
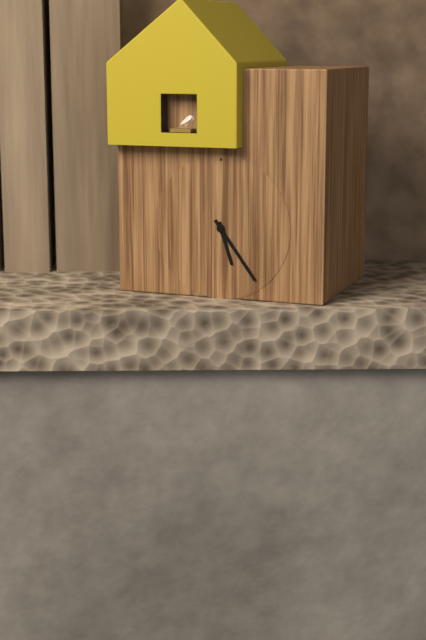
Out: 5,24
